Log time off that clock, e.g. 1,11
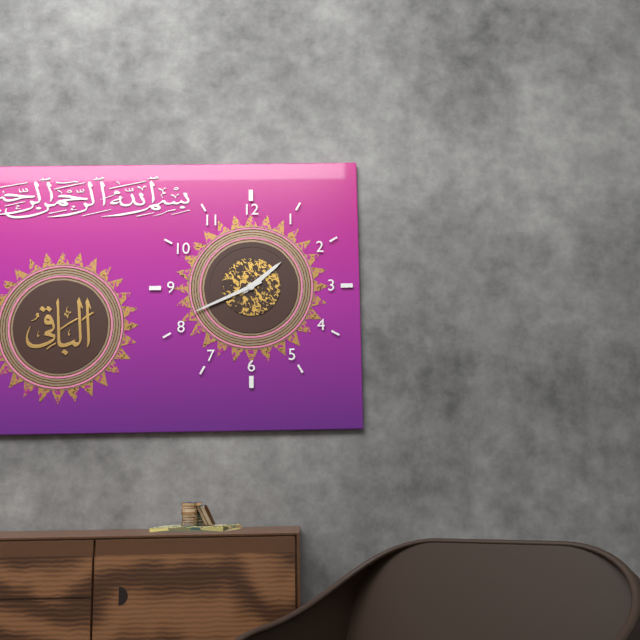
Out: 1,41
